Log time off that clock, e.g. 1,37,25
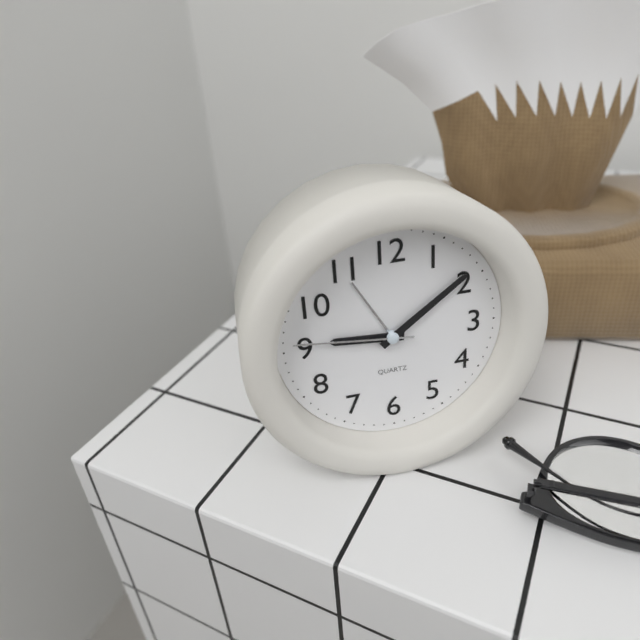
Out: 9,09,46
